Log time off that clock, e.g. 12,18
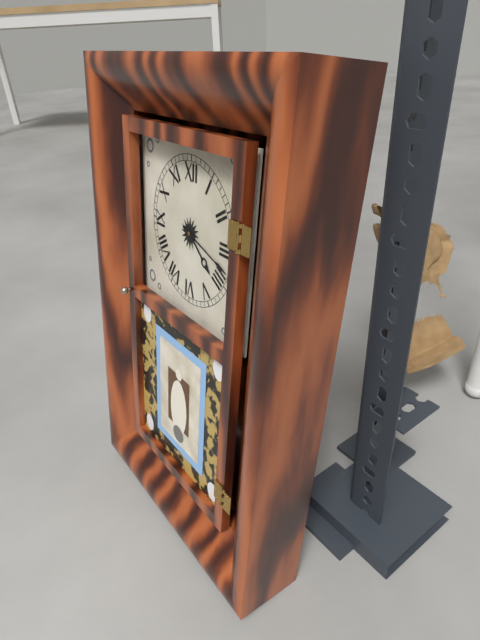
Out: 4,18
